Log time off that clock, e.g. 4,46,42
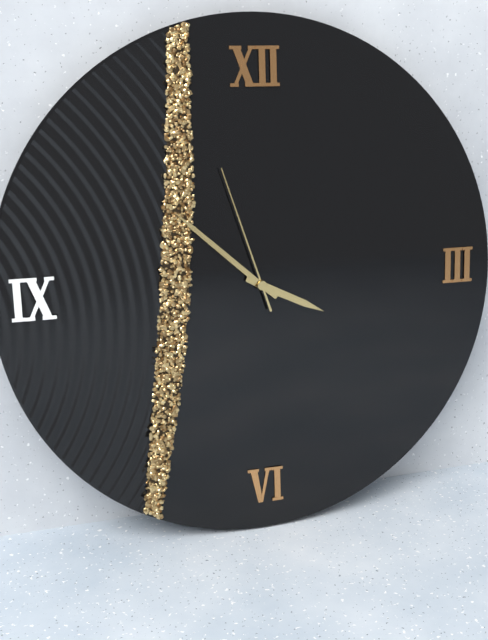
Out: 3,52,57
